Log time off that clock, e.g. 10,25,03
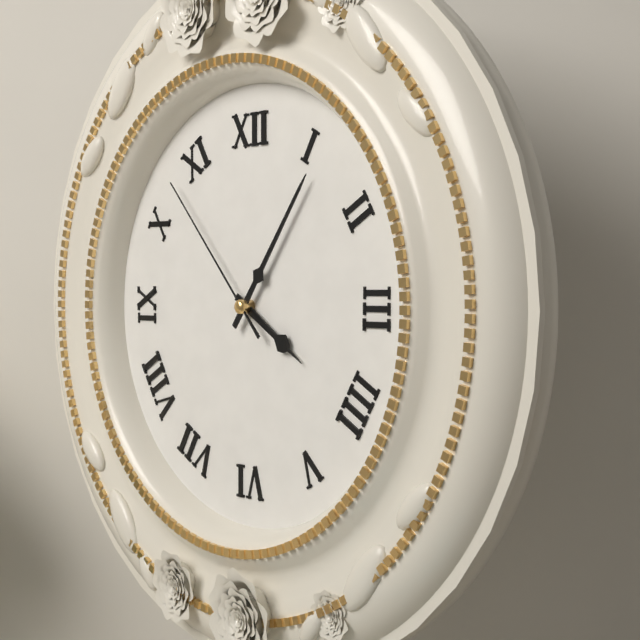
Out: 4,06,53
